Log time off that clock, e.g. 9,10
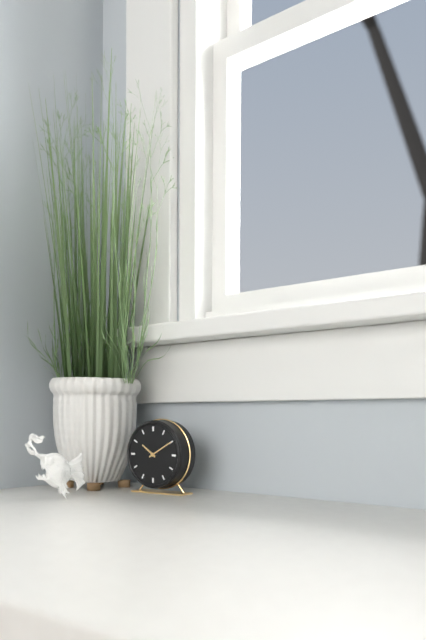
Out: 10,10
